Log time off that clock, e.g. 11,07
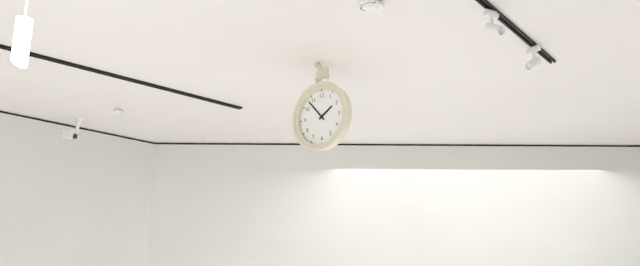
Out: 1,53
